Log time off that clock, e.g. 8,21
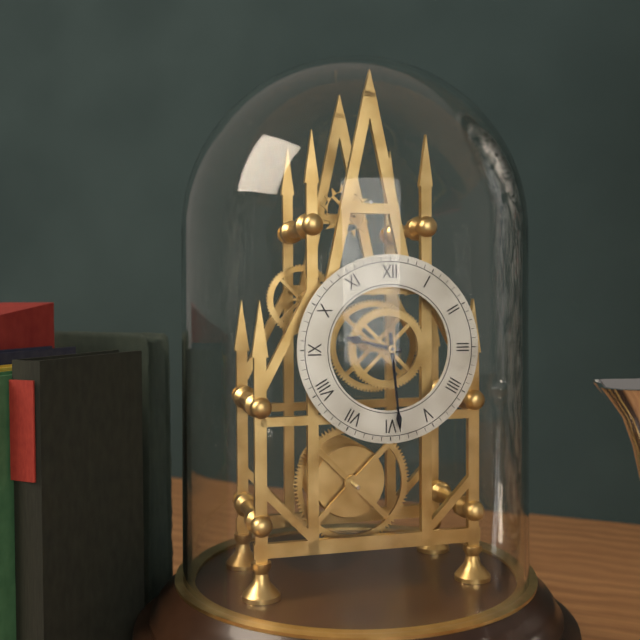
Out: 9,29
